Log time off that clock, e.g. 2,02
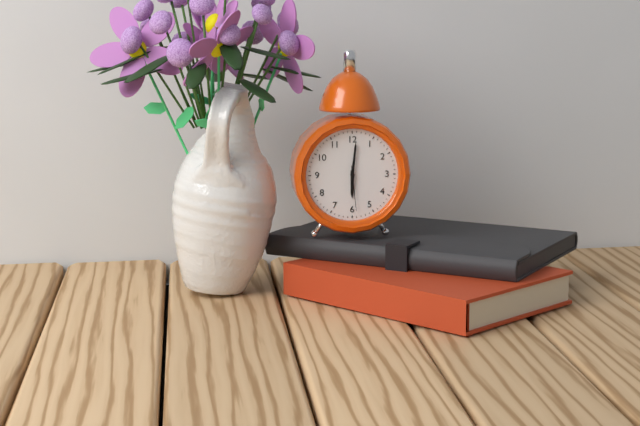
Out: 6,01
